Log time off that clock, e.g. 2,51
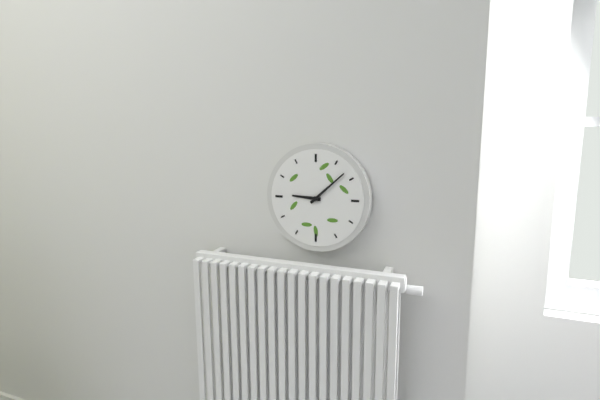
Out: 9,08
